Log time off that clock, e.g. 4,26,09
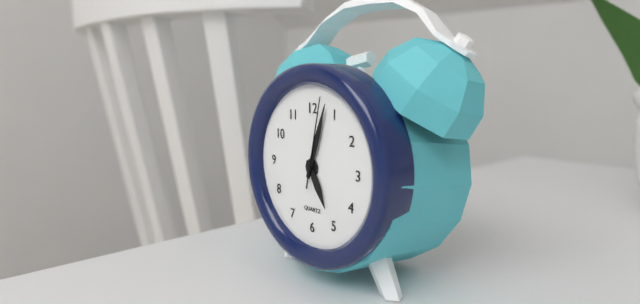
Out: 5,03,02
